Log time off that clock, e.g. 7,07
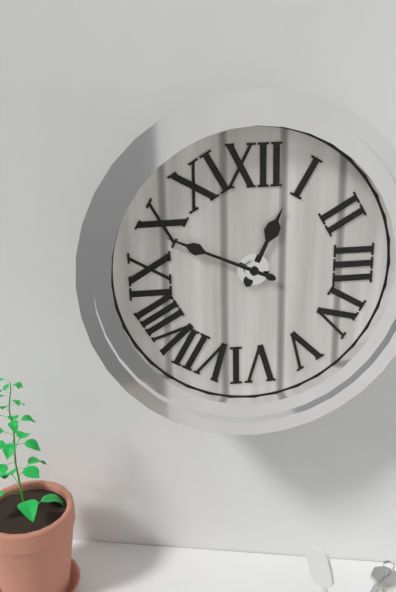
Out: 12,49
